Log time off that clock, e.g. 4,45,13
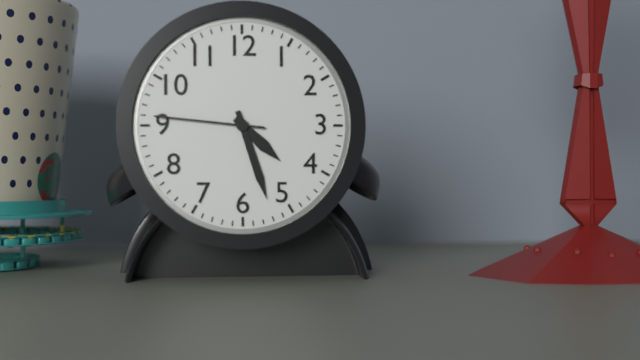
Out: 4,27,46
